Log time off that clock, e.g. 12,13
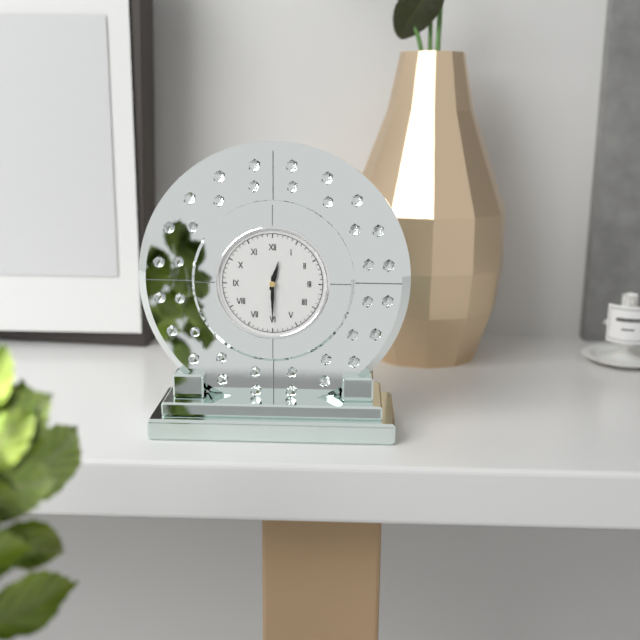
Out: 12,30
